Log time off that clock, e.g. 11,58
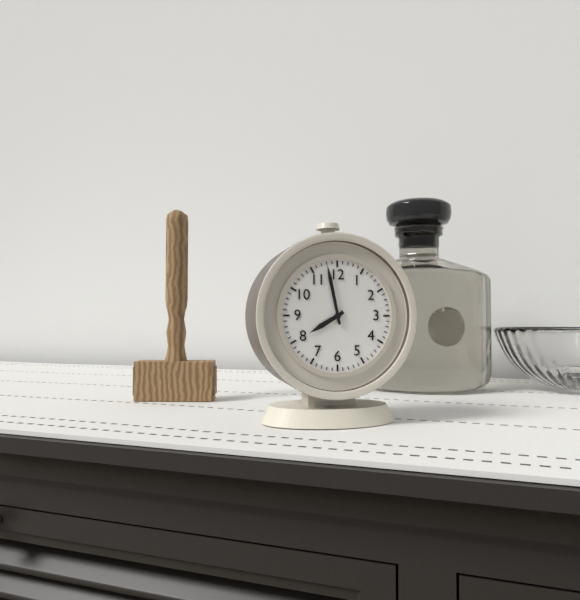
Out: 7,58
